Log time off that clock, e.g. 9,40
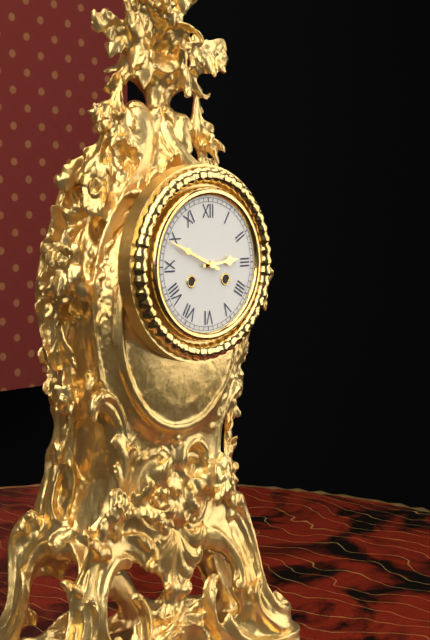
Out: 2,49
